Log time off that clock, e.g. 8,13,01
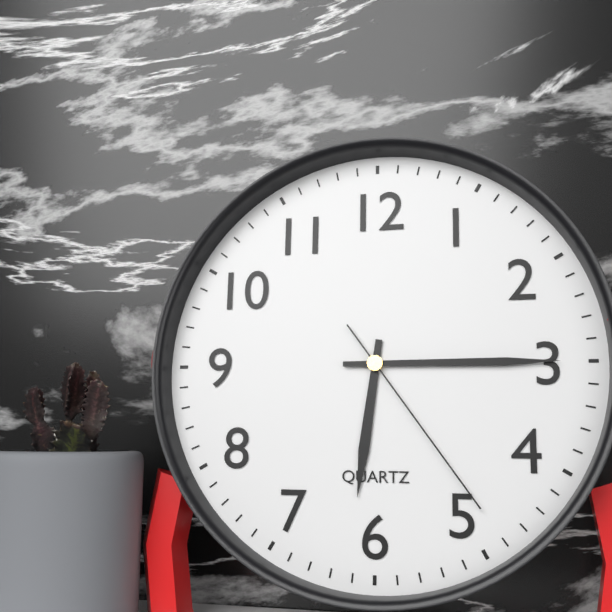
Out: 6,15,24
